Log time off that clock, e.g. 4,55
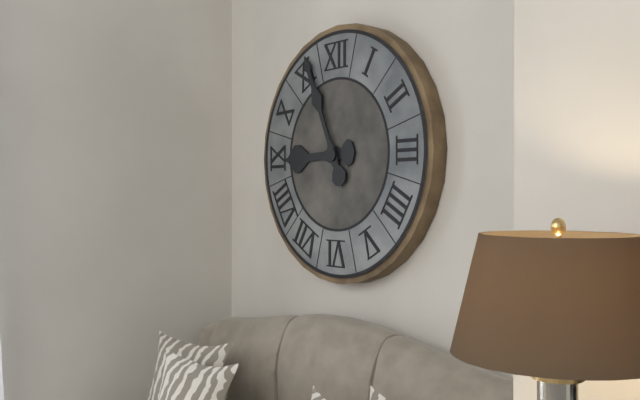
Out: 8,56
